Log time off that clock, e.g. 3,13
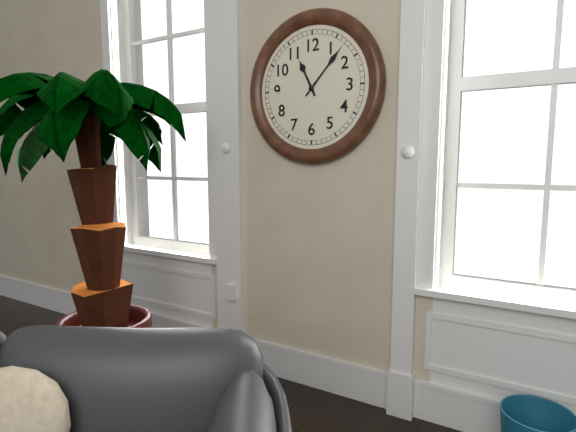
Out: 11,07
